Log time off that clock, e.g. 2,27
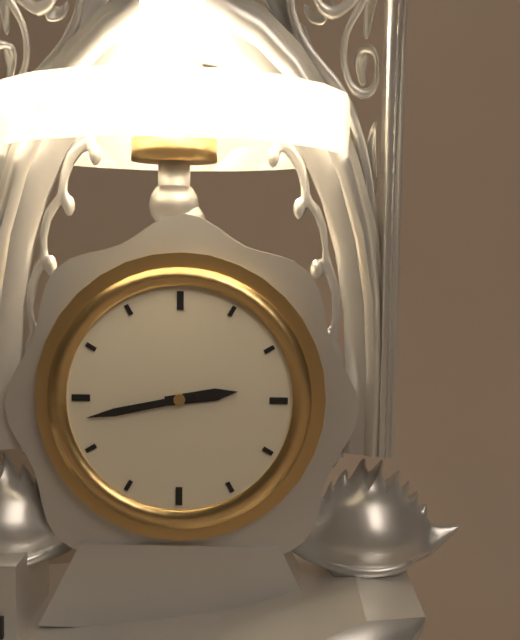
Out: 2,43
